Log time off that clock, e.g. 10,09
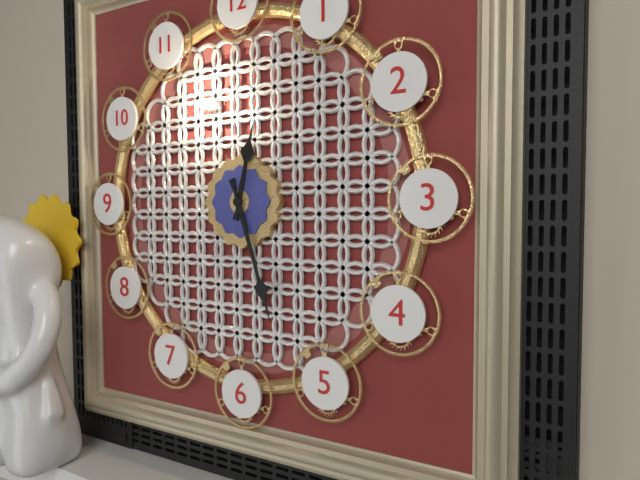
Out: 12,27
